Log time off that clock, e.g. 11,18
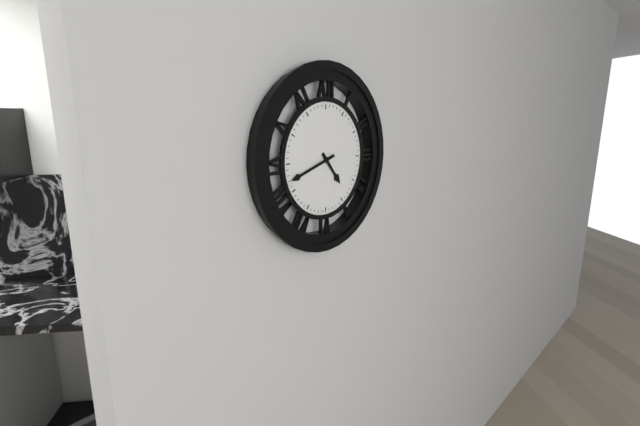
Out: 4,42
